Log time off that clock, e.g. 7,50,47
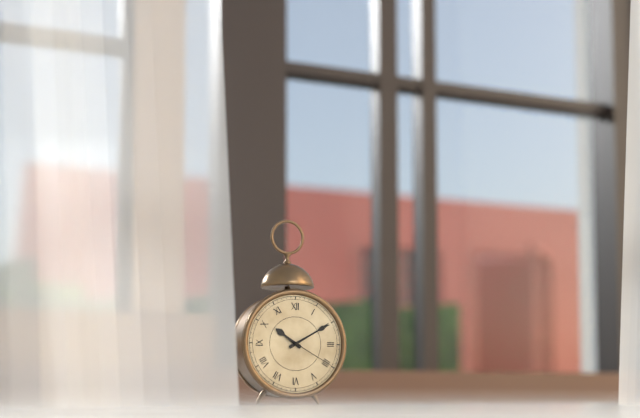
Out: 10,10,20
